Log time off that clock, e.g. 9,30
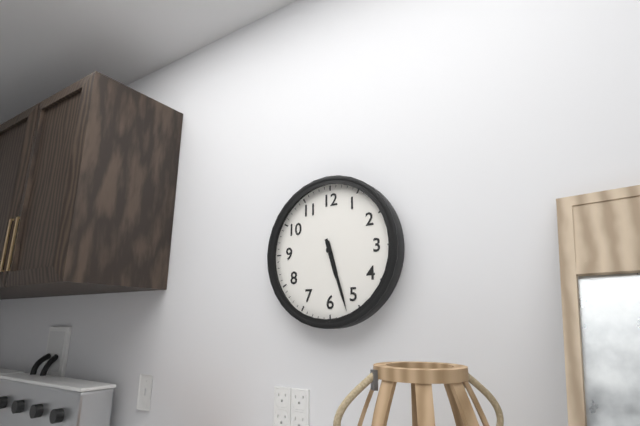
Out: 5,27
